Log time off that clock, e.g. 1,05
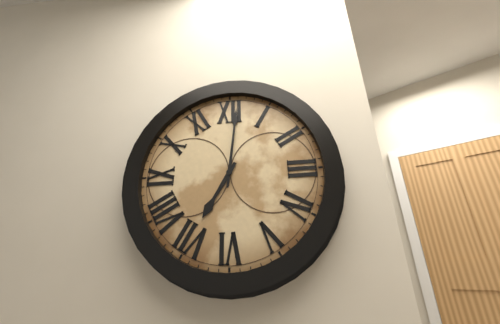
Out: 7,01
